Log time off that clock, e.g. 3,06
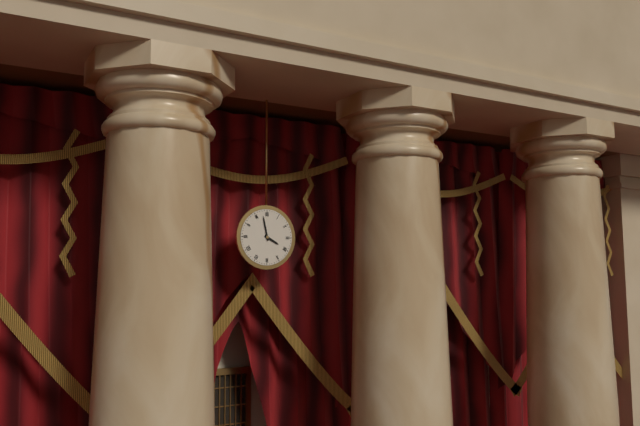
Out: 3,58
